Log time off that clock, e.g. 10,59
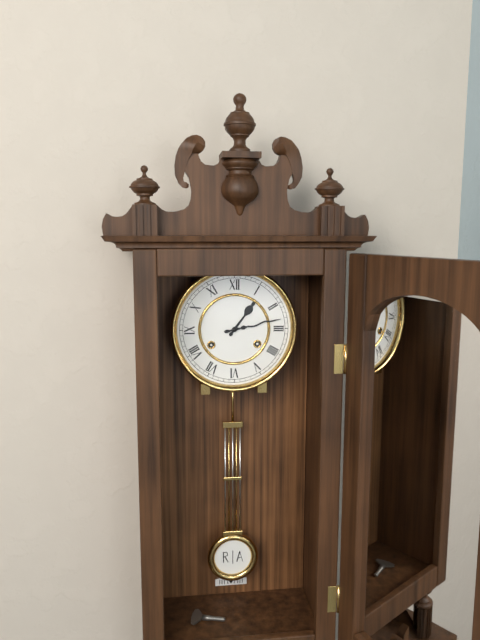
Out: 1,13
